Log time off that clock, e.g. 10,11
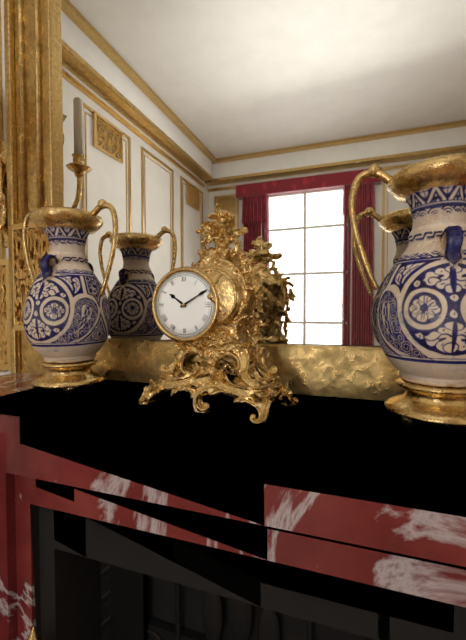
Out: 10,10
